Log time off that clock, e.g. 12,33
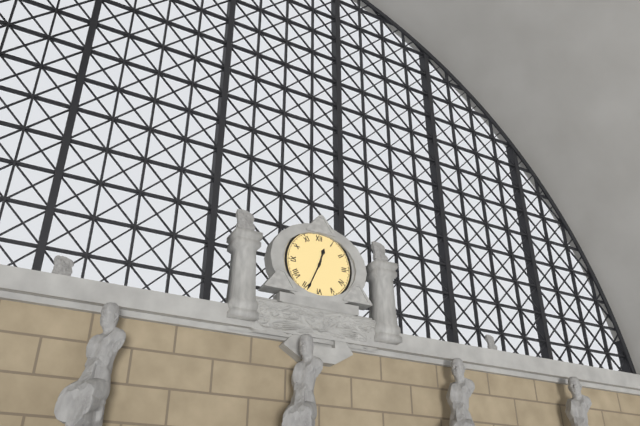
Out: 12,34
